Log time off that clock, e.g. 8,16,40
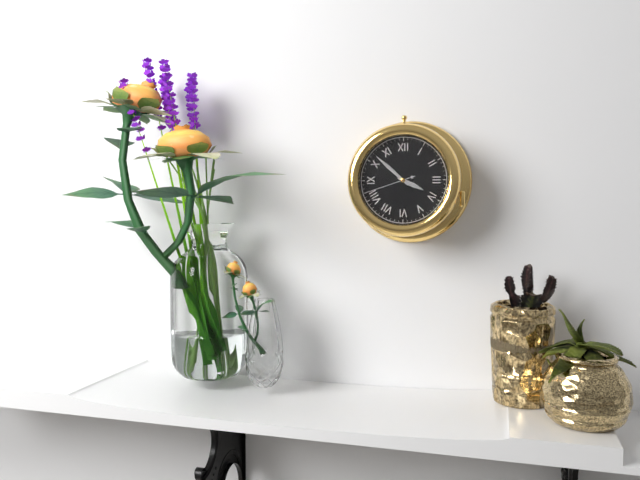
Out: 3,52,42
